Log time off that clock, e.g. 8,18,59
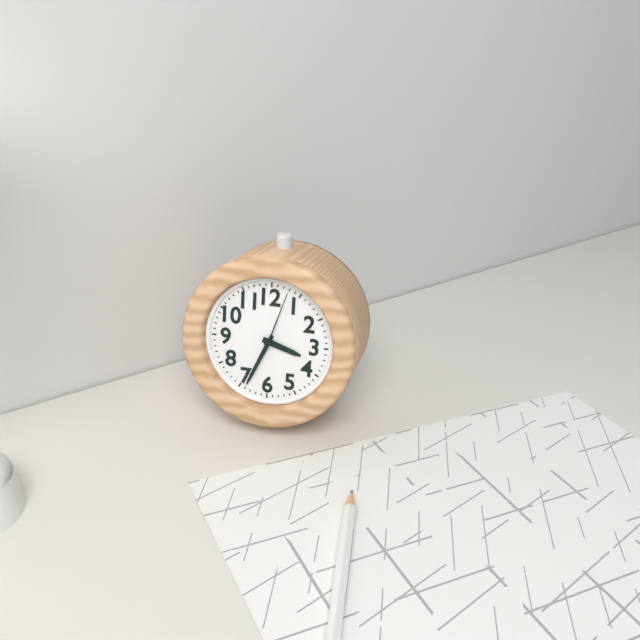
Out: 3,34,03
